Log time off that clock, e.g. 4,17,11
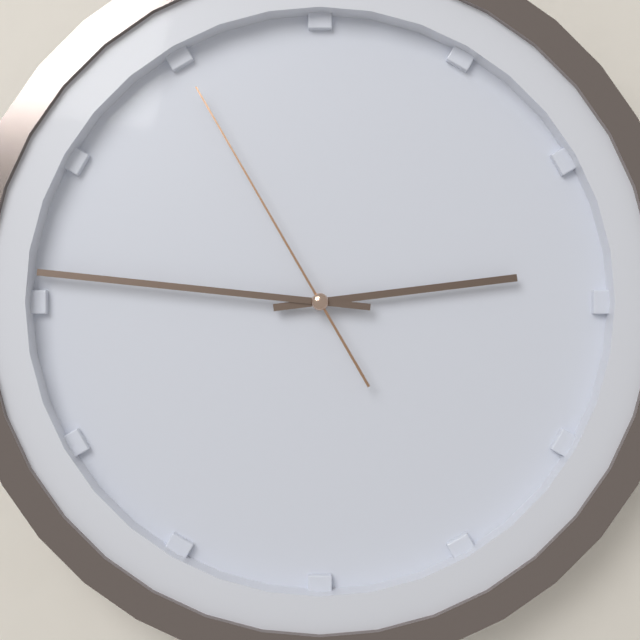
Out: 2,46,55
